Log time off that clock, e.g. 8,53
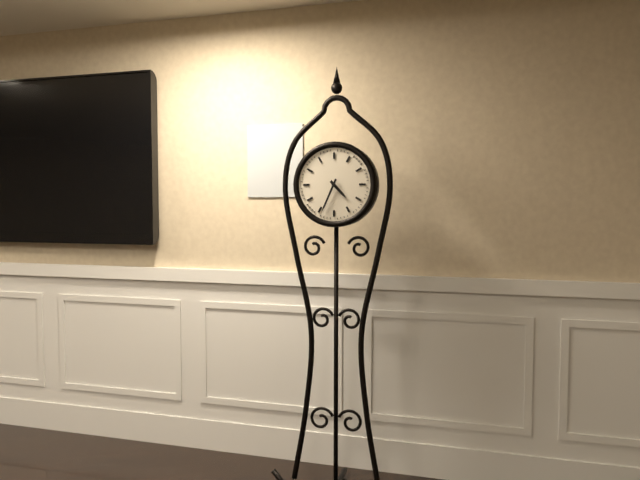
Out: 4,34
